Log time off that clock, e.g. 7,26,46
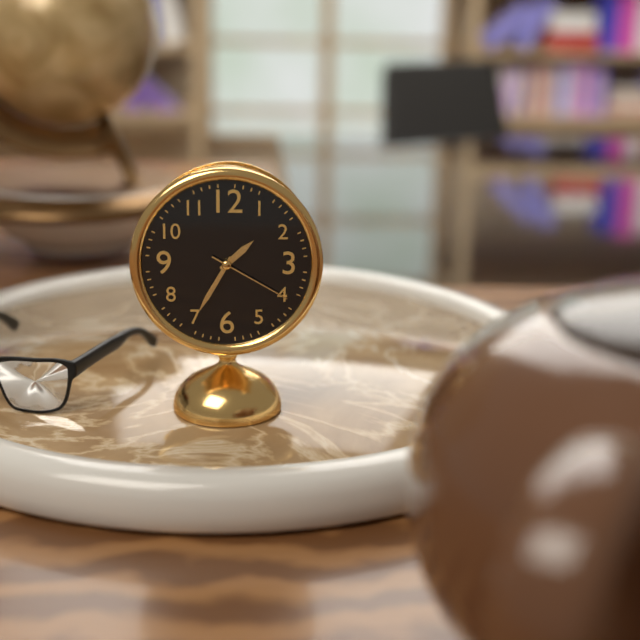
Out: 1,35,20
